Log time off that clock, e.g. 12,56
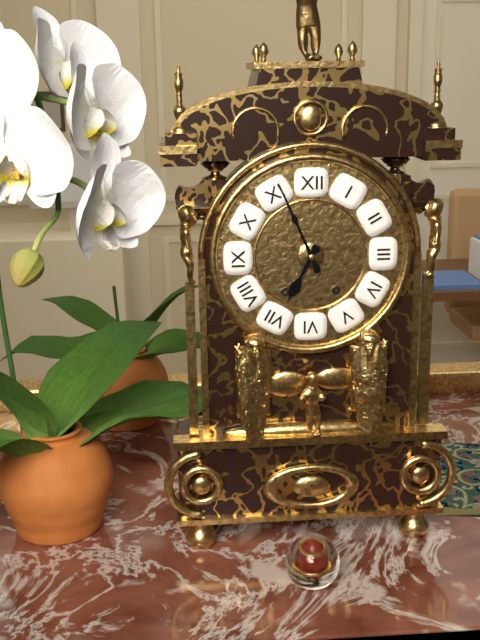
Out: 6,56
